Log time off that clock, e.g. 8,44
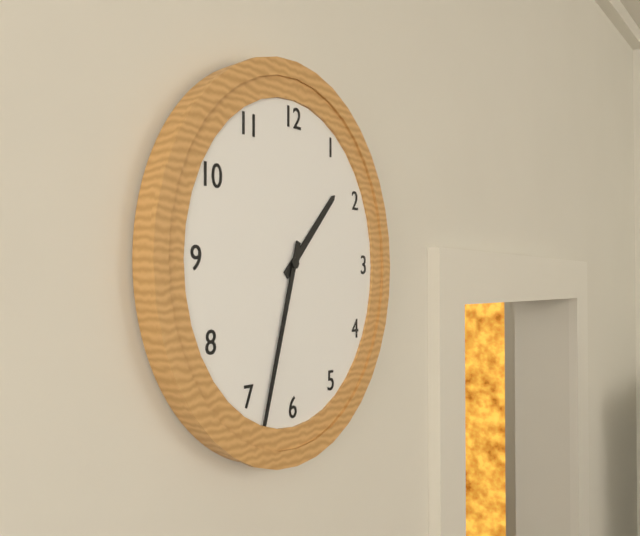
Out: 1,33
